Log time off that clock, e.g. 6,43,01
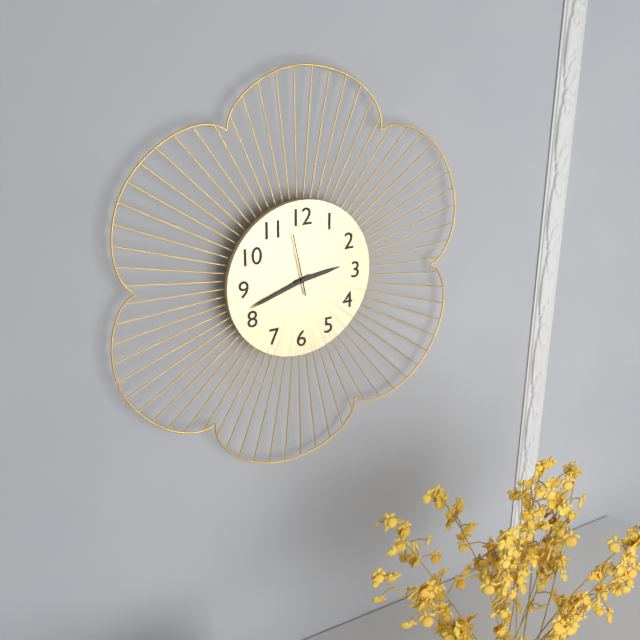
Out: 2,42,58
